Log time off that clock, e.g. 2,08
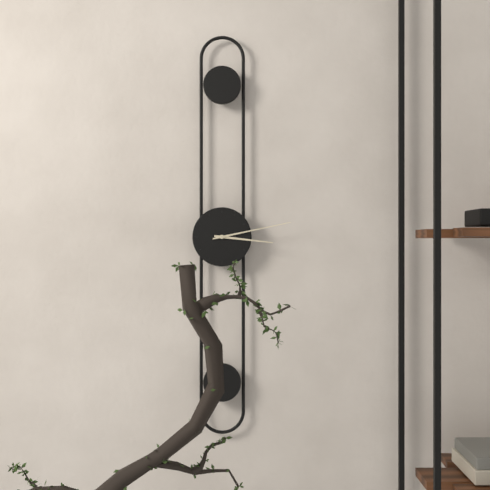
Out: 3,13
